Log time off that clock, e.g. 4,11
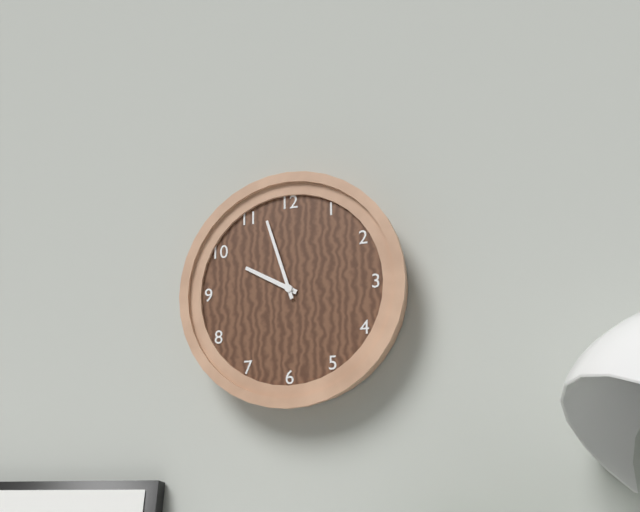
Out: 9,57
